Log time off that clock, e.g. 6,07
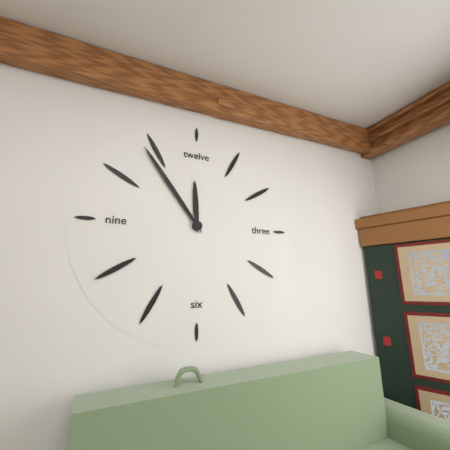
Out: 11,54
